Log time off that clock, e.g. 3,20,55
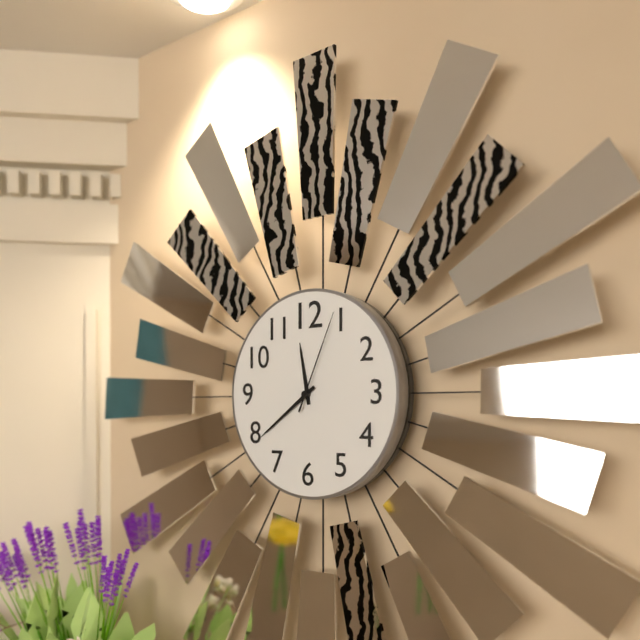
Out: 11,39,04
